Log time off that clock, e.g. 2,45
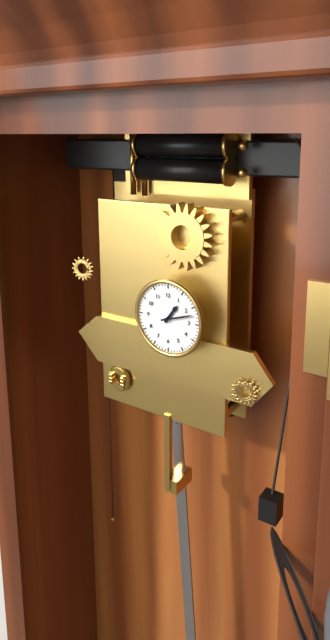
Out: 1,12
